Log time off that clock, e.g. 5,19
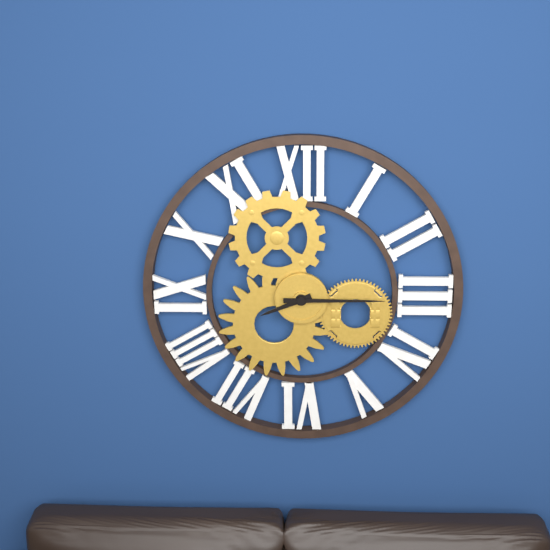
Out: 8,15
